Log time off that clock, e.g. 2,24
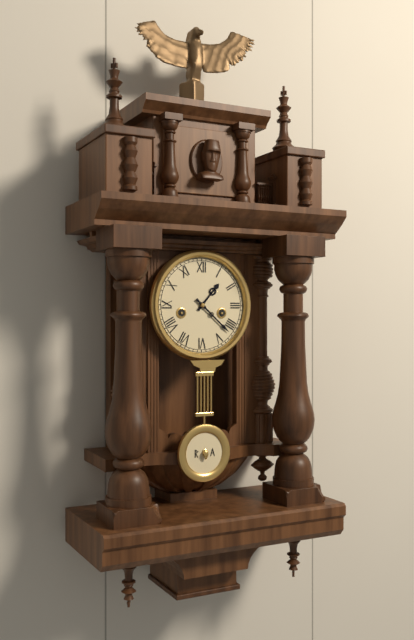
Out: 1,22
